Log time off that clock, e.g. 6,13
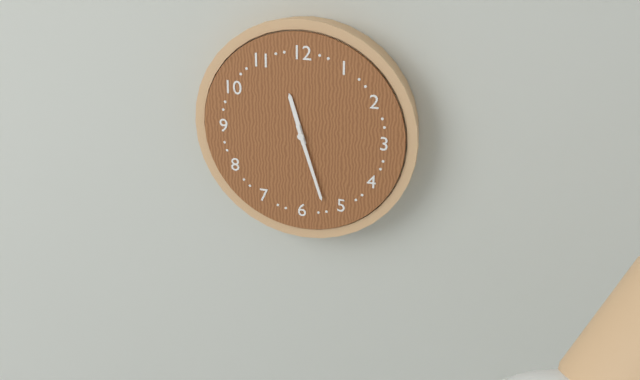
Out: 11,27
